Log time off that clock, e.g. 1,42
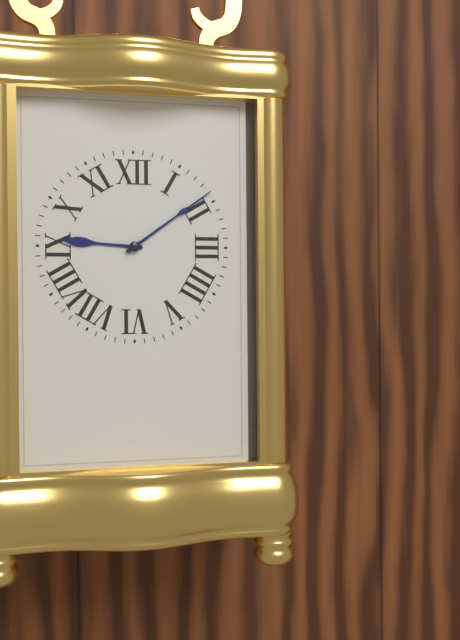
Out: 9,09
